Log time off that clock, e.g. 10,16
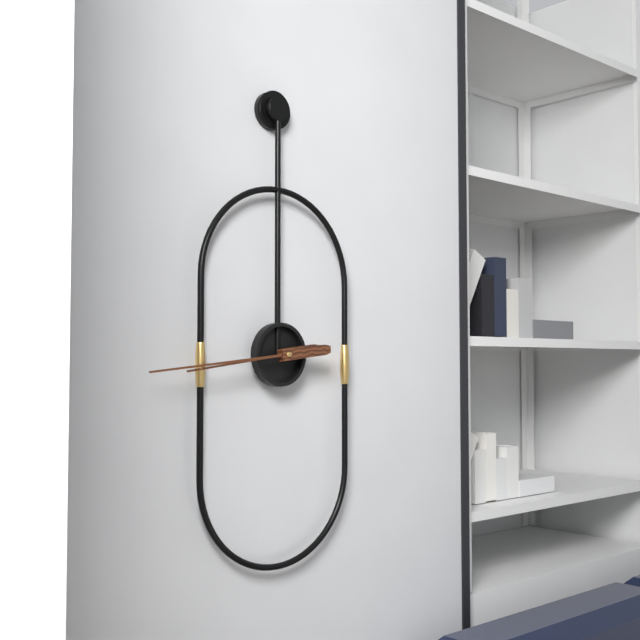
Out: 8,44
